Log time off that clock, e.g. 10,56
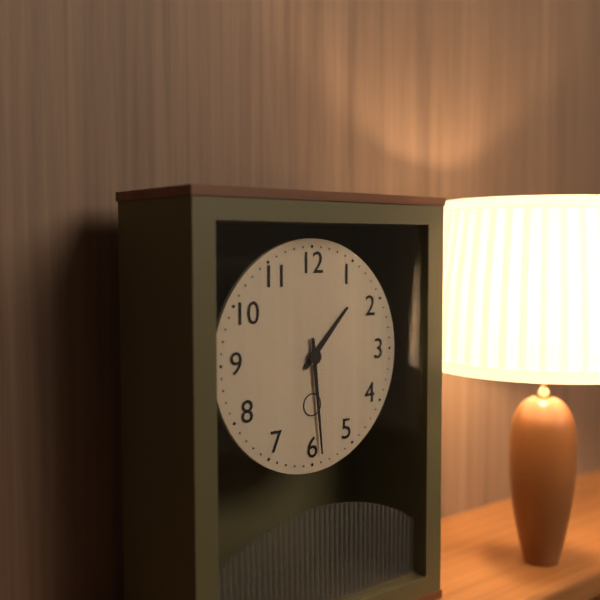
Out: 1,29
